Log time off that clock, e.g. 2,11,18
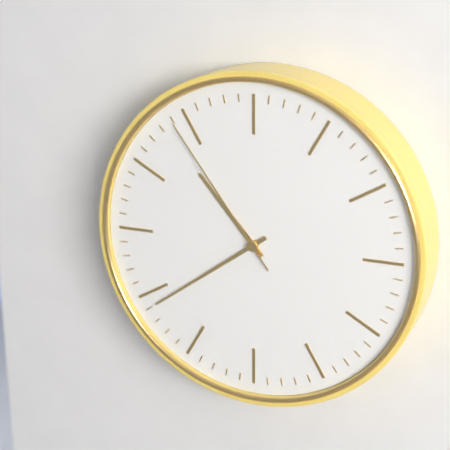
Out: 10,39,54
